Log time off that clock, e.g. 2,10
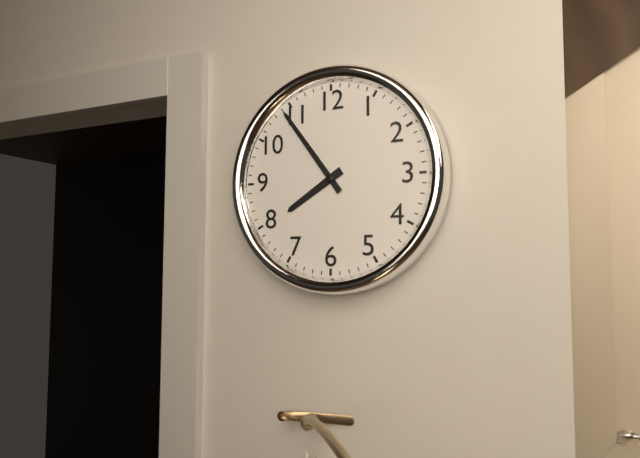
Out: 7,54
